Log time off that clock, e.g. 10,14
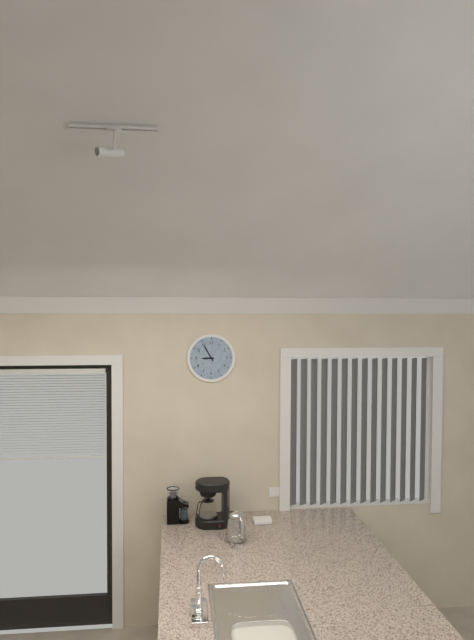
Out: 8,55
